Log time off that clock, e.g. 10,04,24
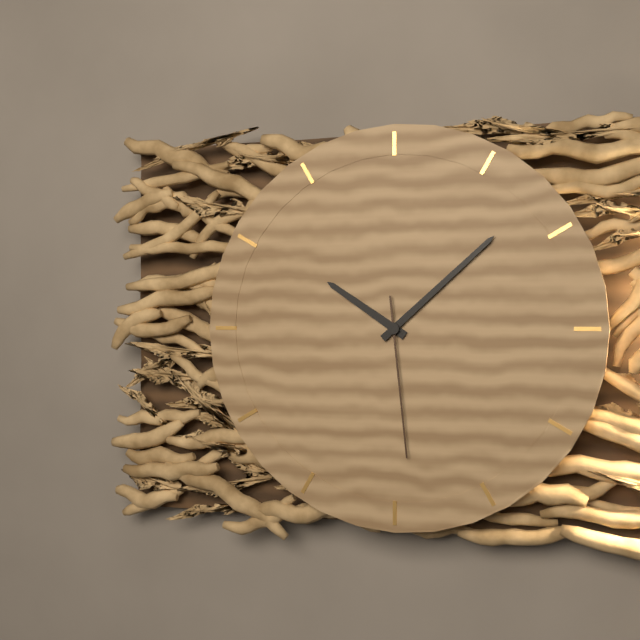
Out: 10,08,29
